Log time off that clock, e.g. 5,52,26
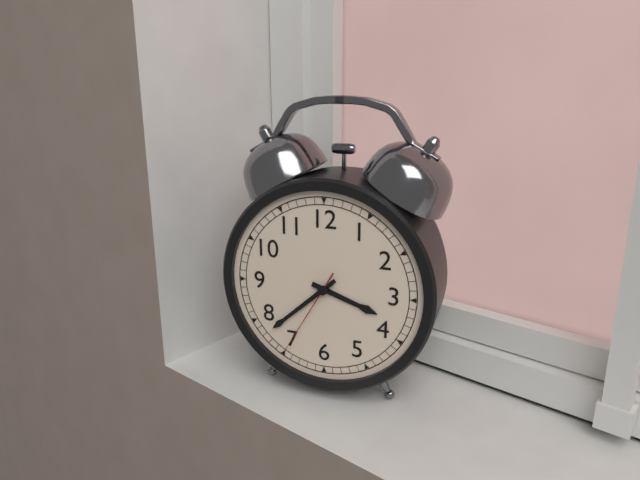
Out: 3,38,35
